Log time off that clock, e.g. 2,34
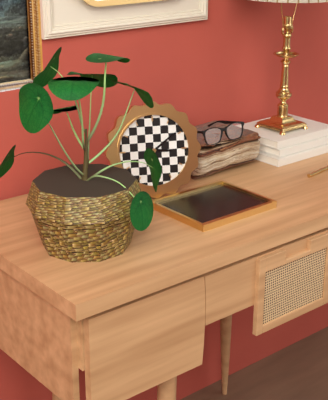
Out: 3,09
